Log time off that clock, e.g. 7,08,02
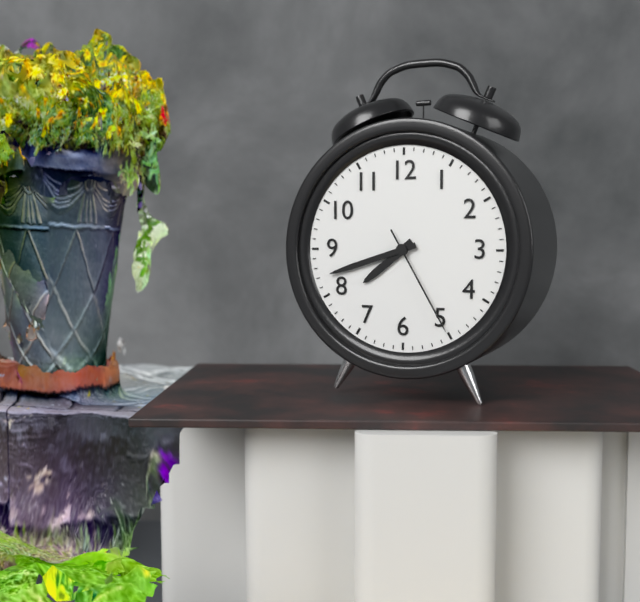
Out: 7,42,25
